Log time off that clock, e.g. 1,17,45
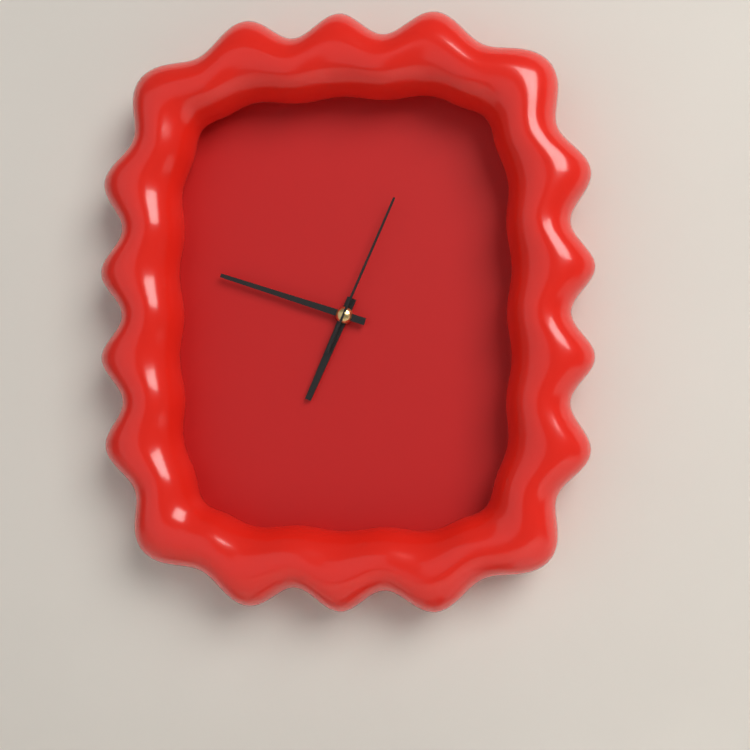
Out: 6,48,04
